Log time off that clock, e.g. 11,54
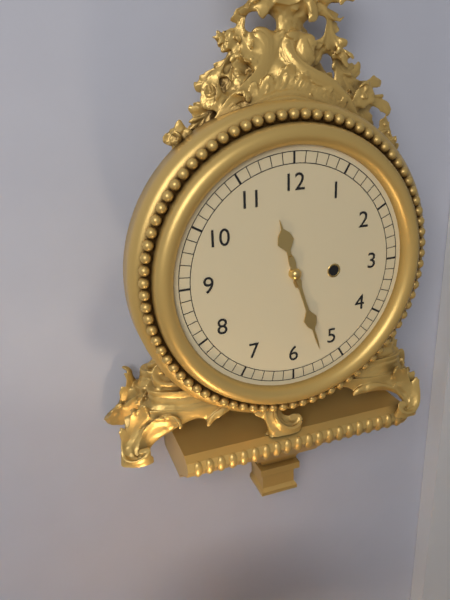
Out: 11,27
